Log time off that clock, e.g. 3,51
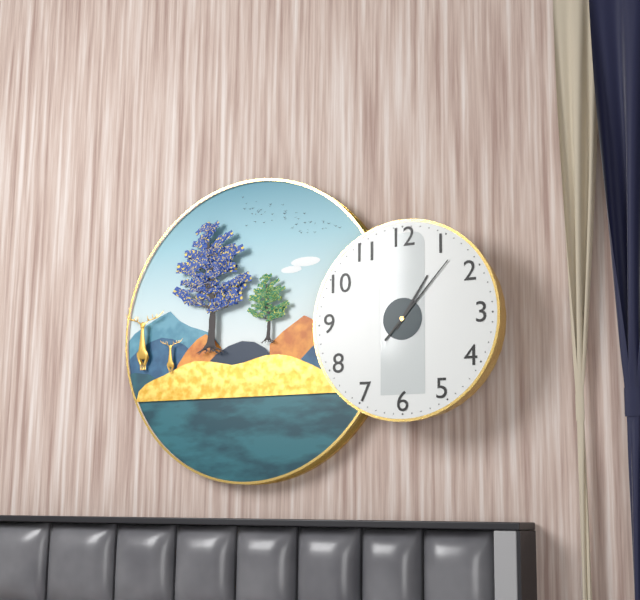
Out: 1,07
